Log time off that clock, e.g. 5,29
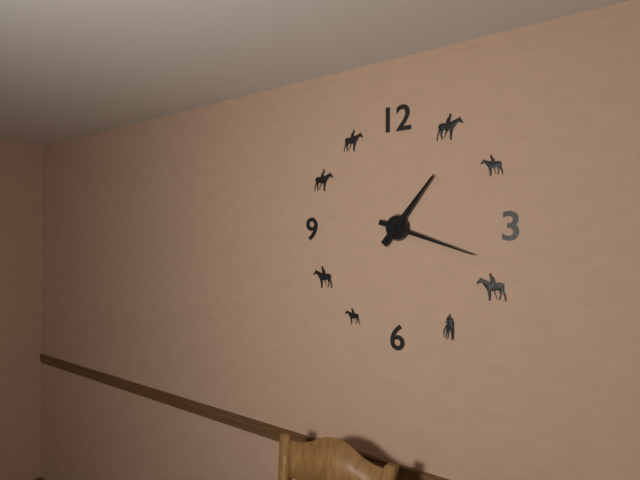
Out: 1,18
